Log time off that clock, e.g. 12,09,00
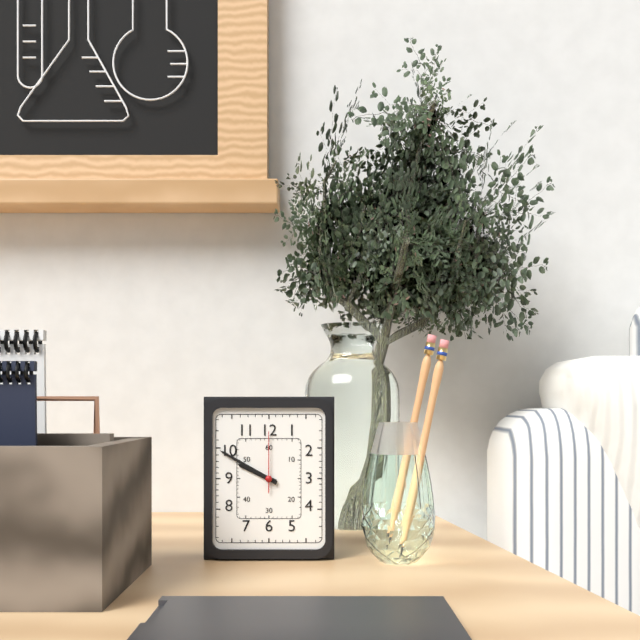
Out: 9,50,00
